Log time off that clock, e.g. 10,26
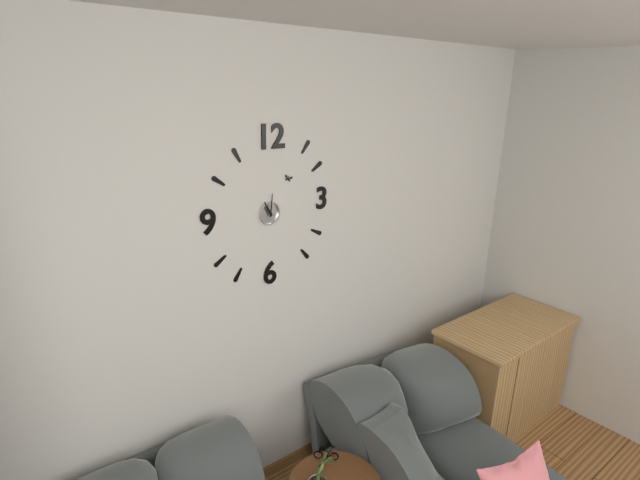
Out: 11,01
